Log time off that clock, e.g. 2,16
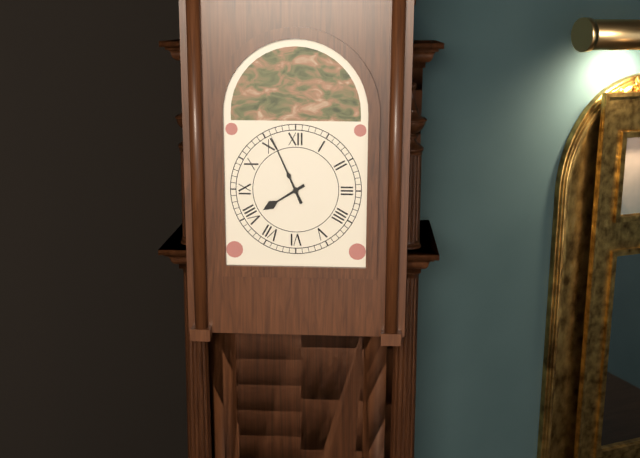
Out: 7,56
